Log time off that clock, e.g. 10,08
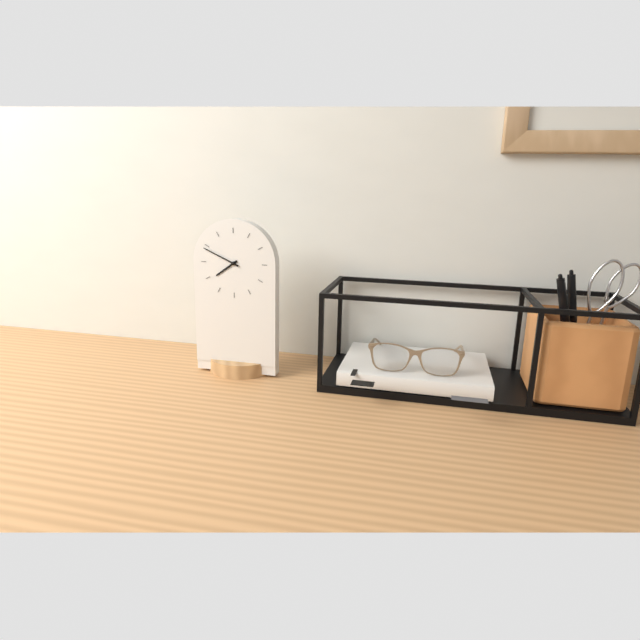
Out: 7,49
